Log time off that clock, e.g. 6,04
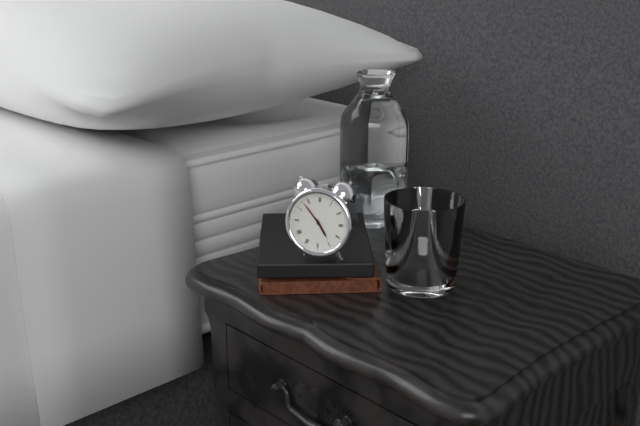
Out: 4,53
